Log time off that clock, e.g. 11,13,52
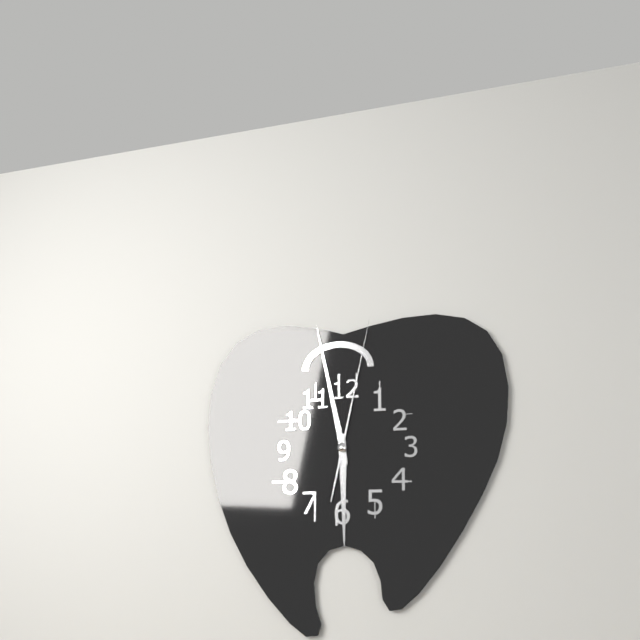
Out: 5,58,02
